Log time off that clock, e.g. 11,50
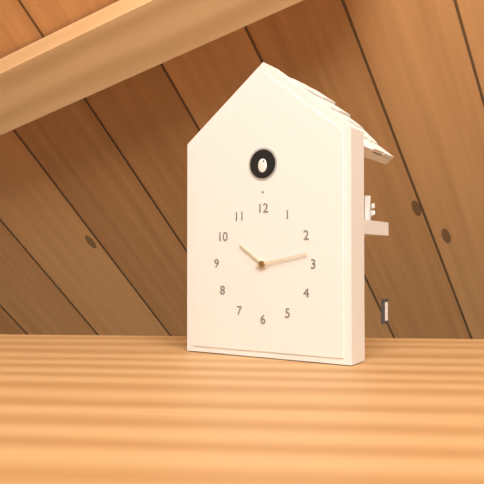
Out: 10,13
